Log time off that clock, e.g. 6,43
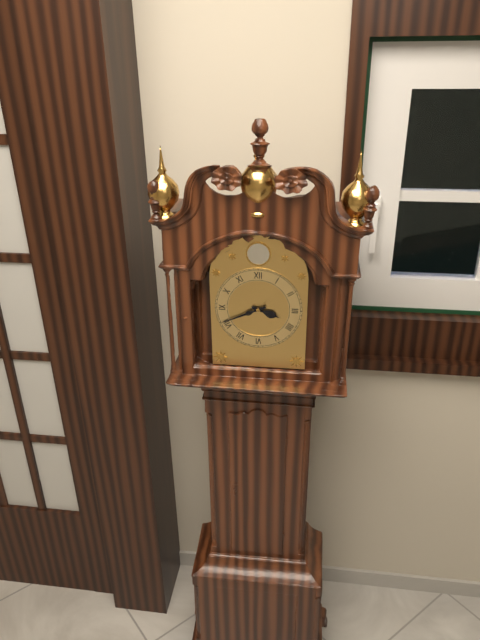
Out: 3,41
